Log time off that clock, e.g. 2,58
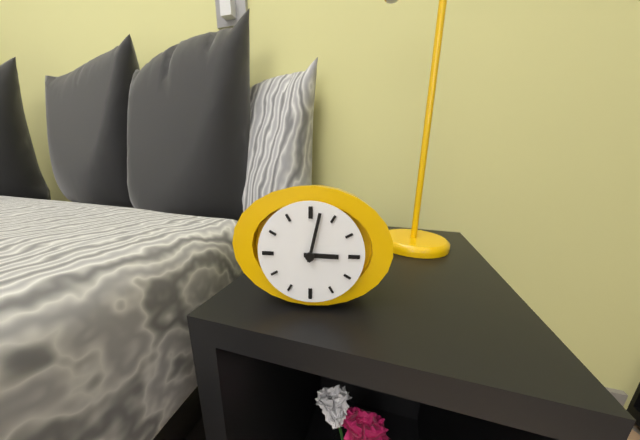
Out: 3,02
